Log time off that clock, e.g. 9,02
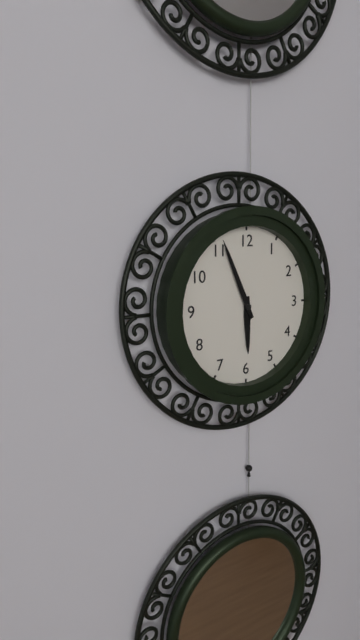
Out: 5,56
